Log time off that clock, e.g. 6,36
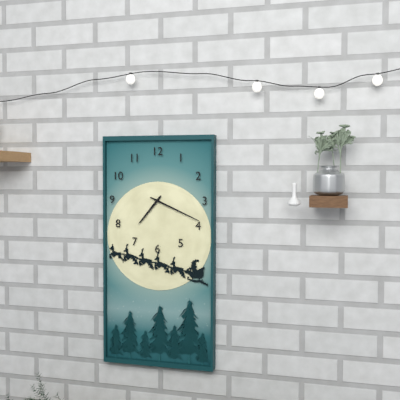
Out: 7,19
